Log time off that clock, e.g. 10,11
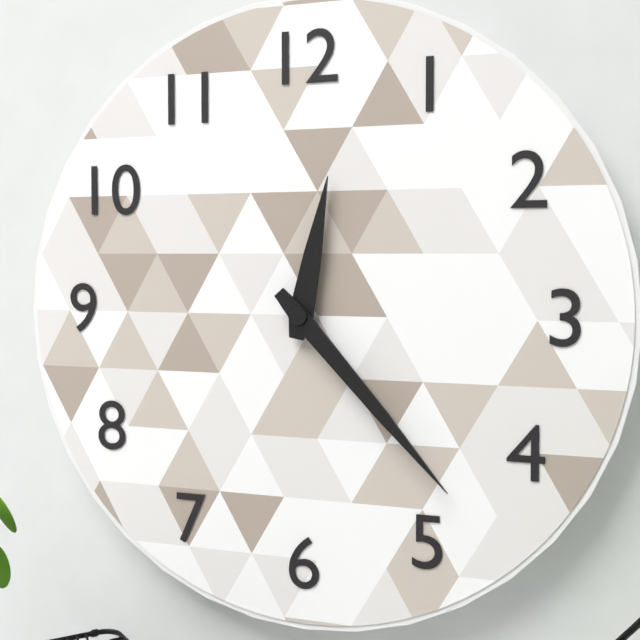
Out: 12,23
